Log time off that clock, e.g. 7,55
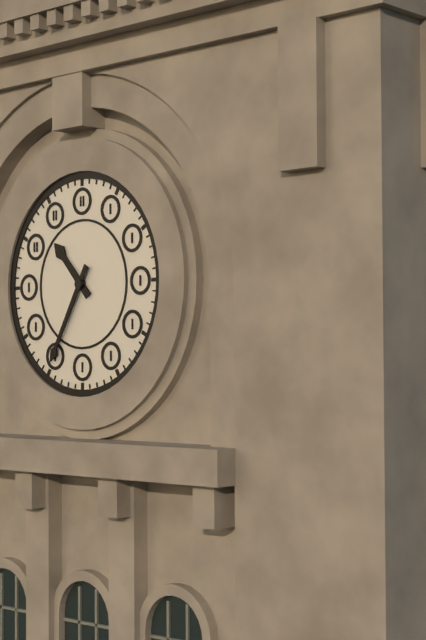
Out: 10,35
